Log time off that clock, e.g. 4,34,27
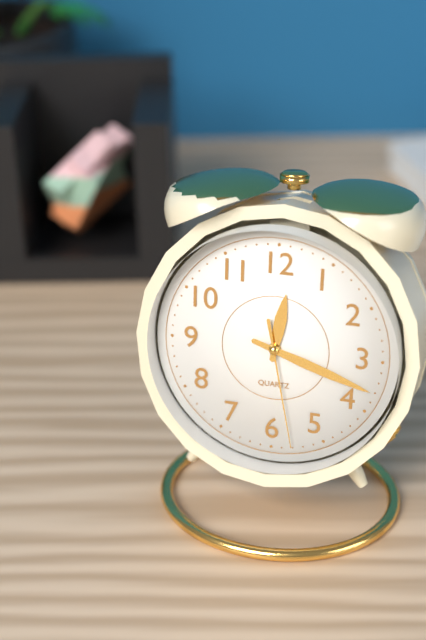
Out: 12,18,28
